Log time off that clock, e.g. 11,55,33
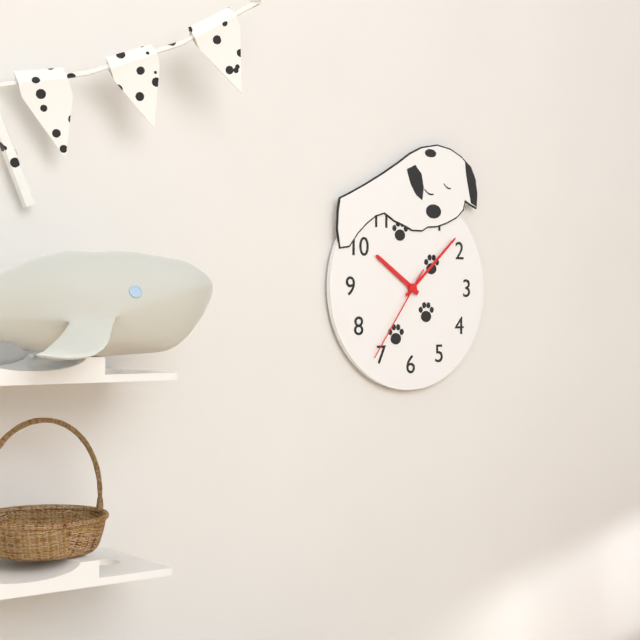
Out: 10,08,36
